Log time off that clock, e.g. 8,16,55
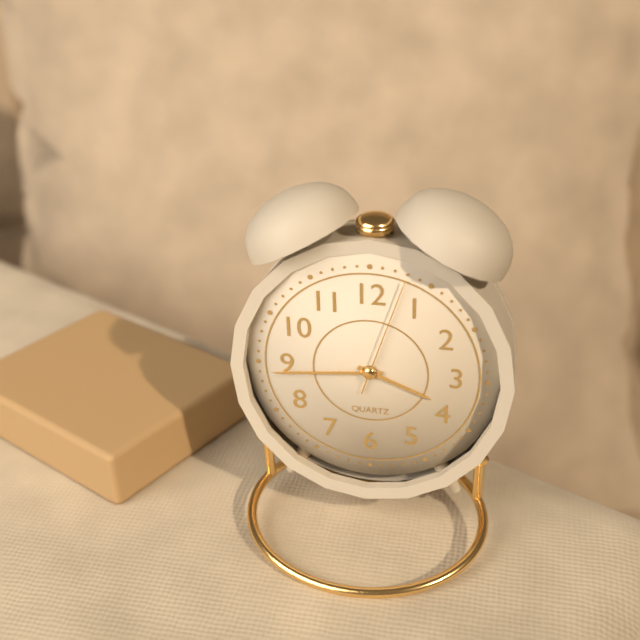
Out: 3,44,03
